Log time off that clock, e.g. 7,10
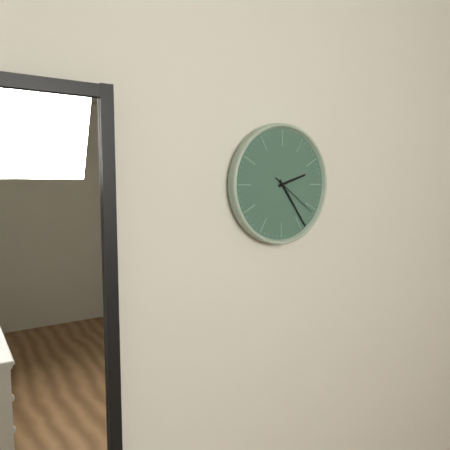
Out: 2,24
